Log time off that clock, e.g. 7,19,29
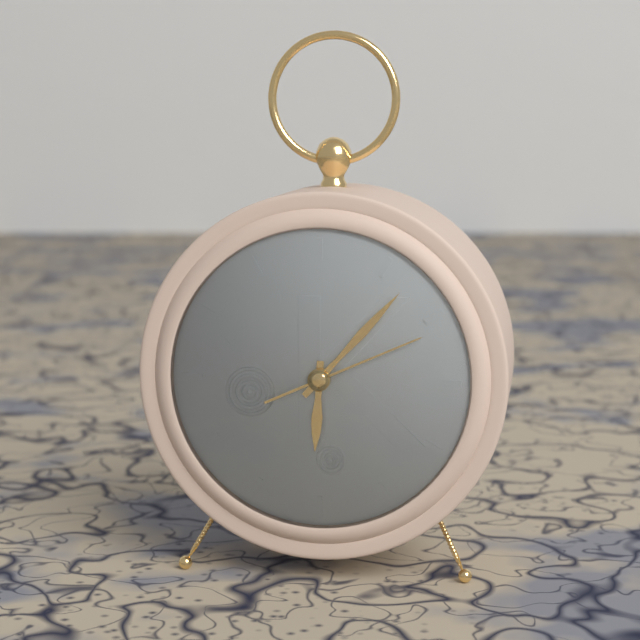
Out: 6,07,11
